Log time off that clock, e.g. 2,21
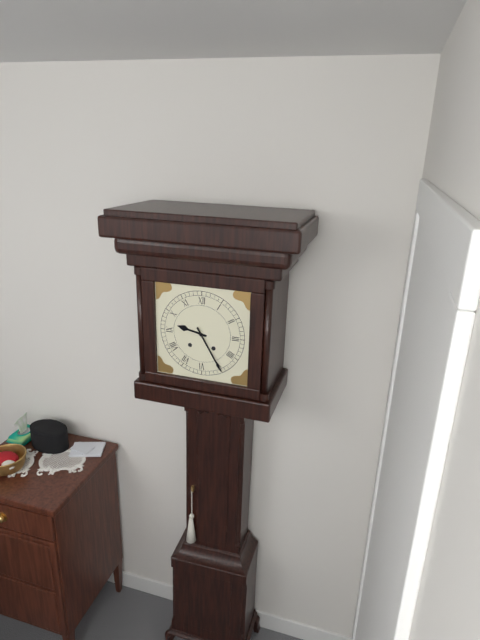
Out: 9,25
